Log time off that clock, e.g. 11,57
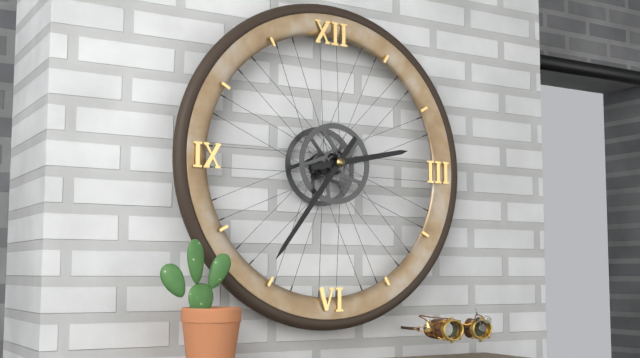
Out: 2,36
